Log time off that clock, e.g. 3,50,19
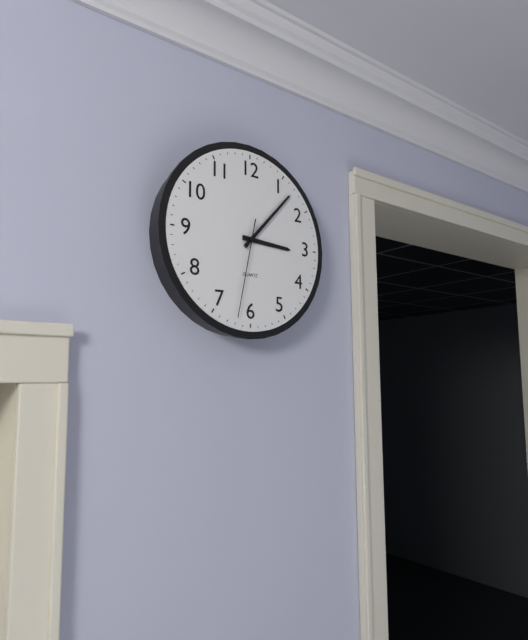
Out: 3,07,32
